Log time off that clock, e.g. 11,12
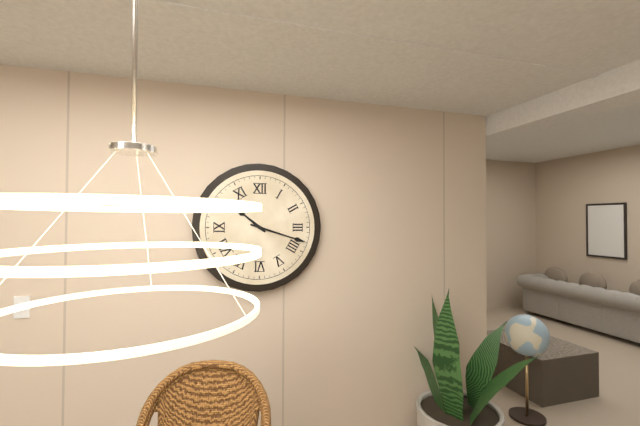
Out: 10,18
